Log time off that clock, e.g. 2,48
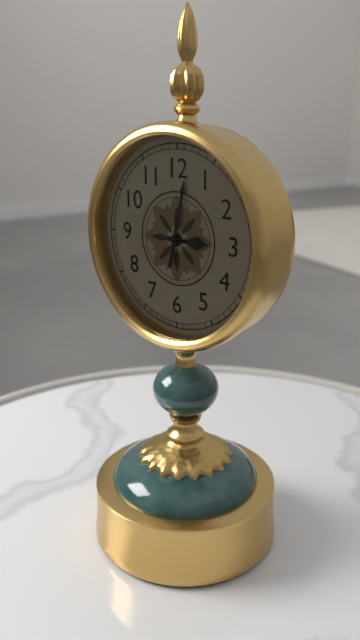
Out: 3,02
